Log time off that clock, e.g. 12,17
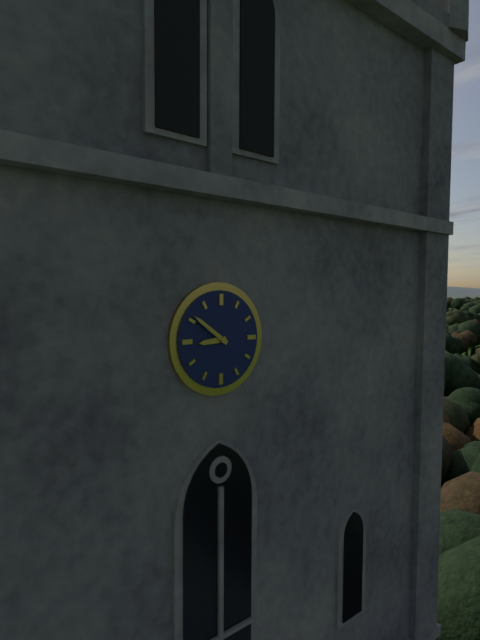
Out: 8,51
